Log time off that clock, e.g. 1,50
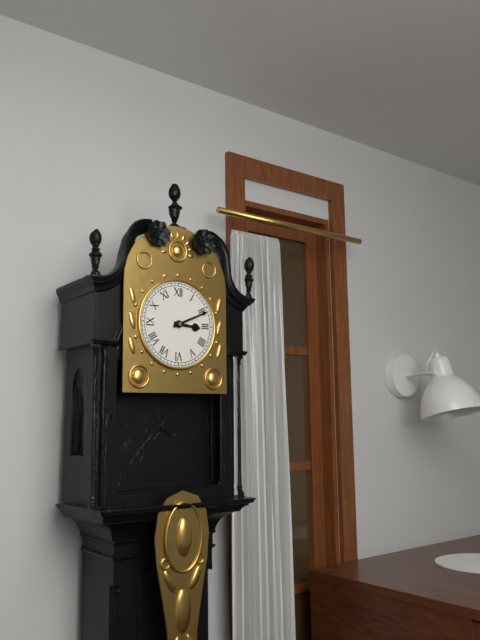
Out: 3,11
